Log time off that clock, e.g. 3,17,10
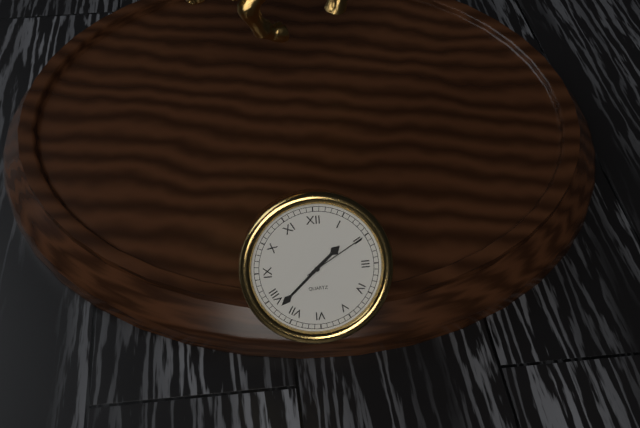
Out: 1,38,10
